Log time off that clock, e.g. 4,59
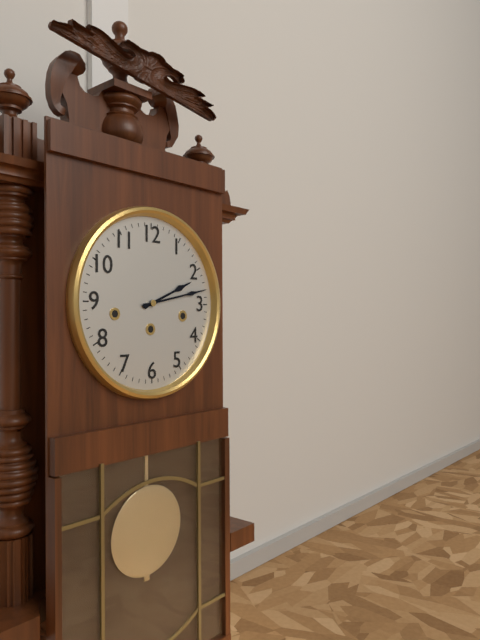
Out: 2,13
